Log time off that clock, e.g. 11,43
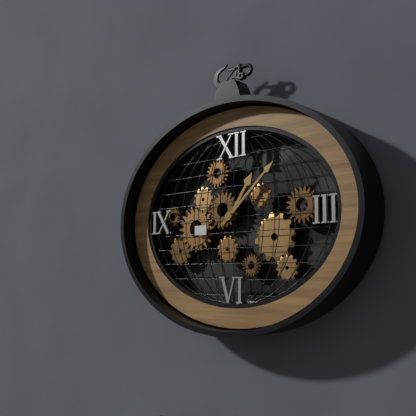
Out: 1,08
